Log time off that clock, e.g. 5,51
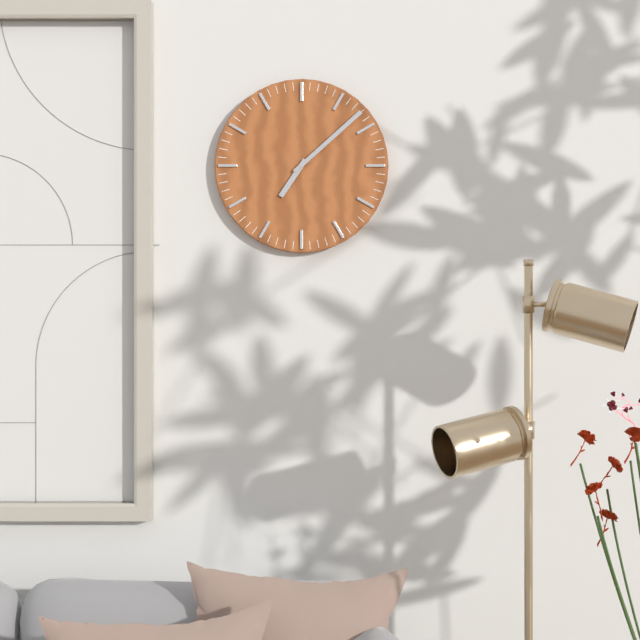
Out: 7,08
